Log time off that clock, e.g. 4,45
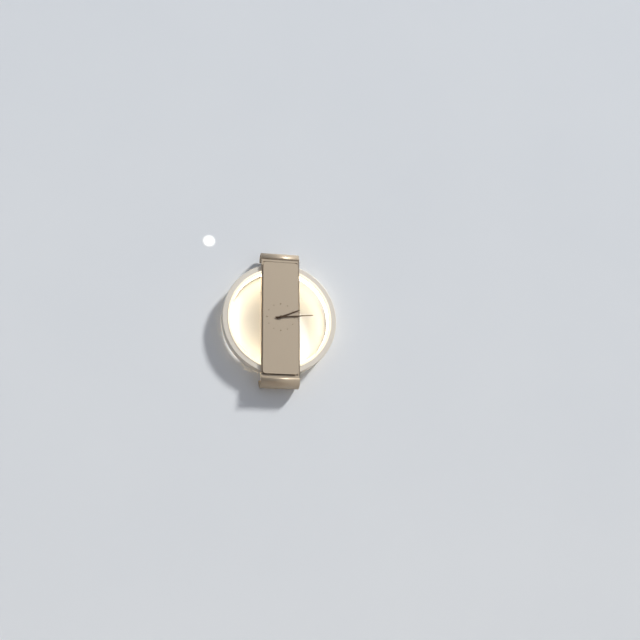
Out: 2,14
